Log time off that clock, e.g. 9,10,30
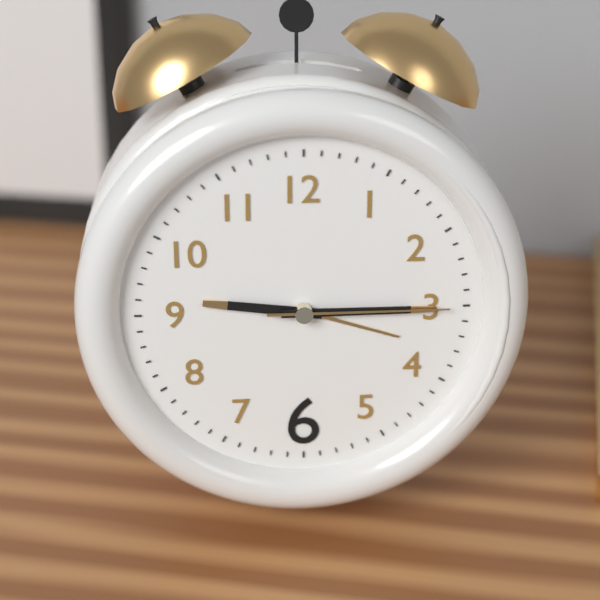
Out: 9,15,15
